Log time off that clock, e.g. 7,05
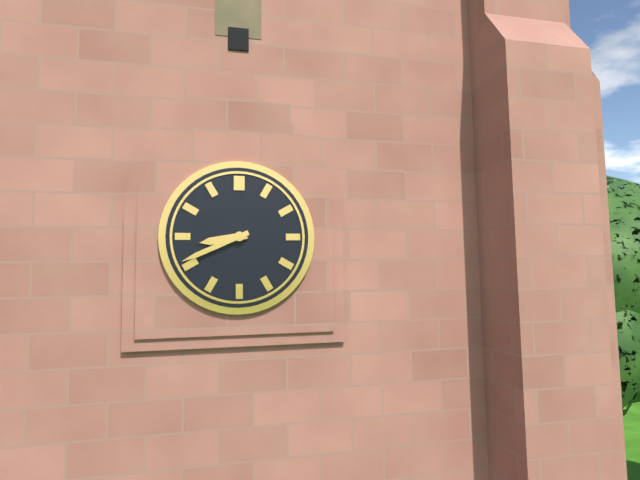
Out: 8,41
